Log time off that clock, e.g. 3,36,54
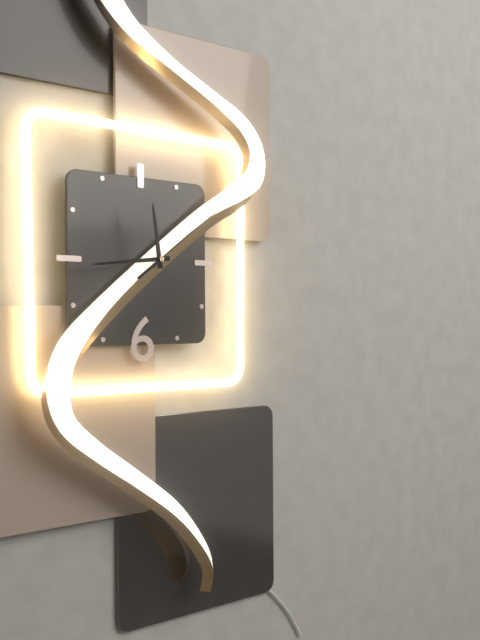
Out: 11,44,09
